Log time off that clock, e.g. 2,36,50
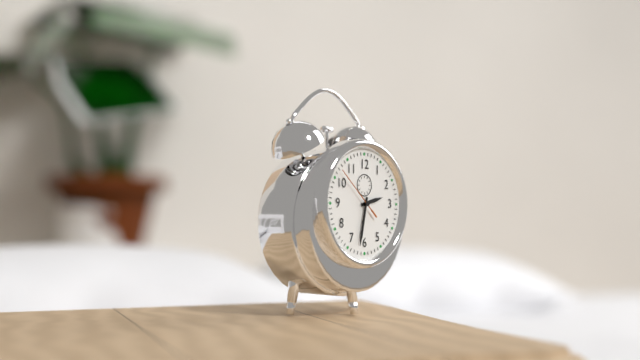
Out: 2,32,52
